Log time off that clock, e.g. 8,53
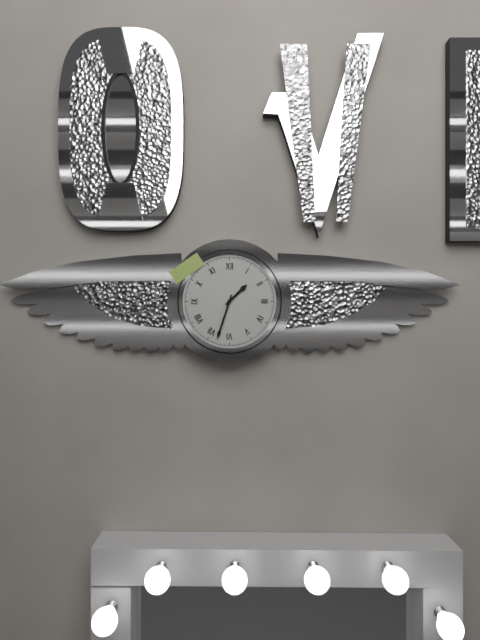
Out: 1,33
